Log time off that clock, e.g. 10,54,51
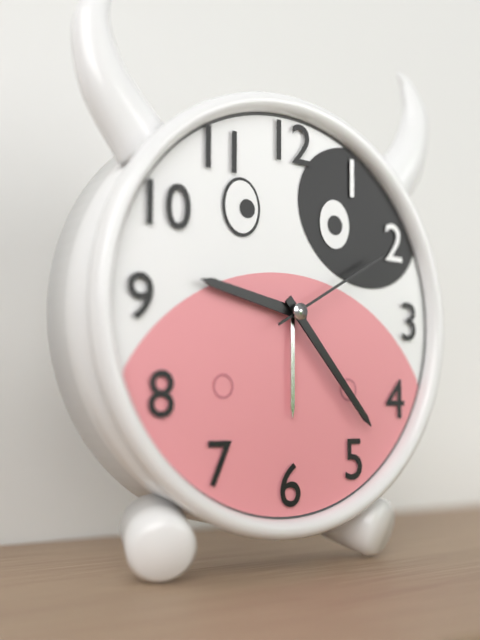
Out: 9,23,10
